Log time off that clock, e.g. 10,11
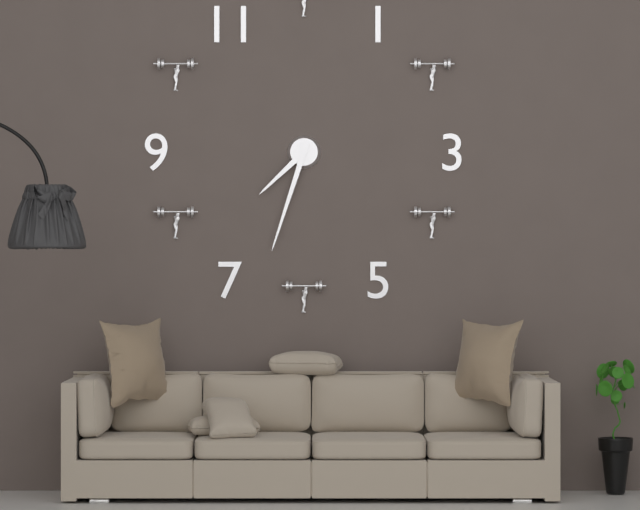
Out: 7,33
